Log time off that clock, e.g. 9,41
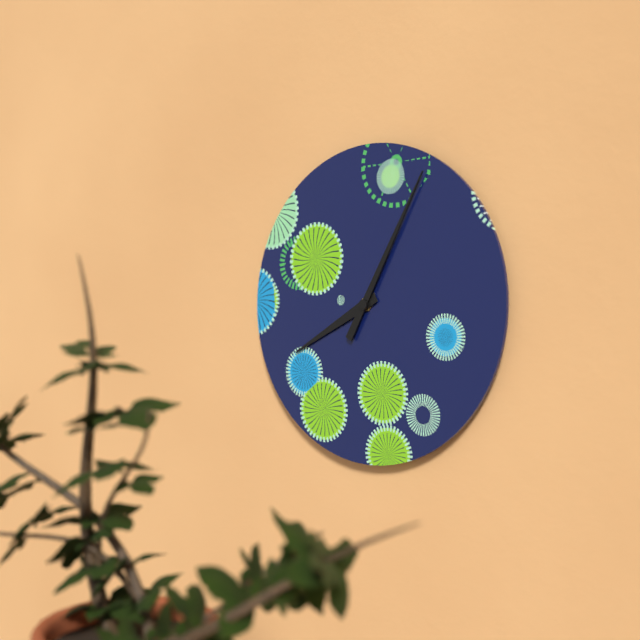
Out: 8,05
